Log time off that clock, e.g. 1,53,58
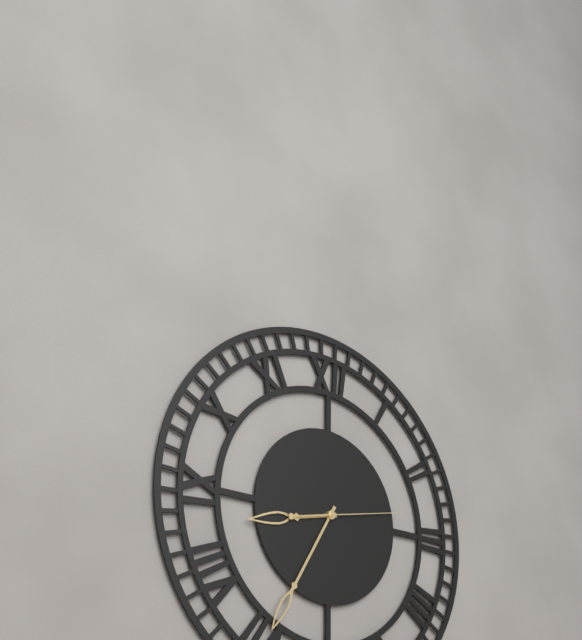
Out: 8,35,13
